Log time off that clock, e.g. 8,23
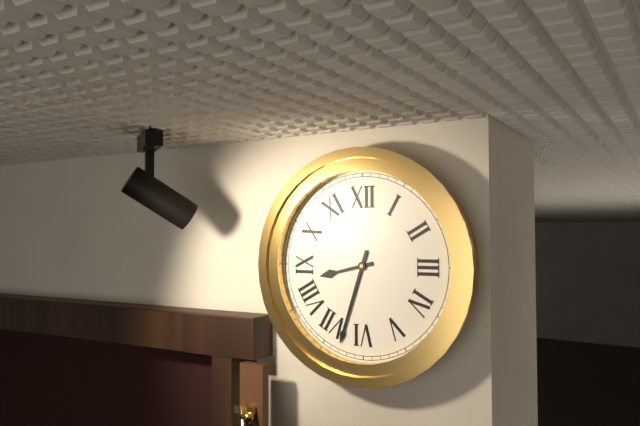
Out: 8,33
